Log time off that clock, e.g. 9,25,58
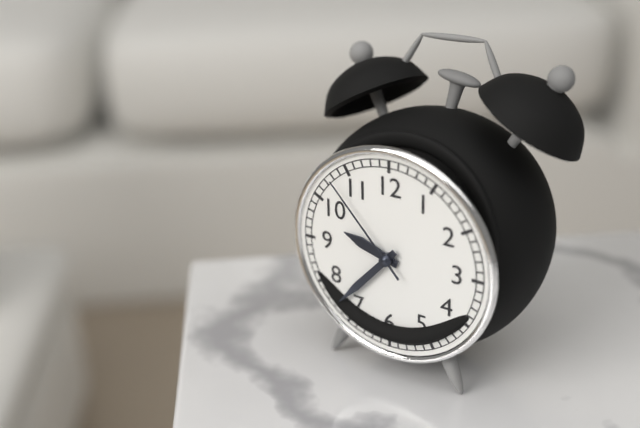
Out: 9,37,53
